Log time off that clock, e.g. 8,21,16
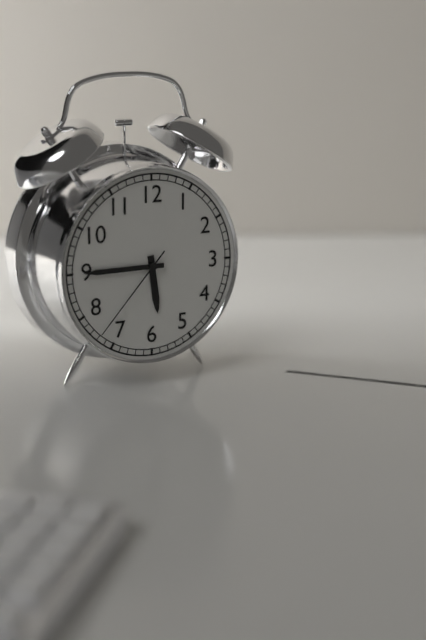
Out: 5,45,37
